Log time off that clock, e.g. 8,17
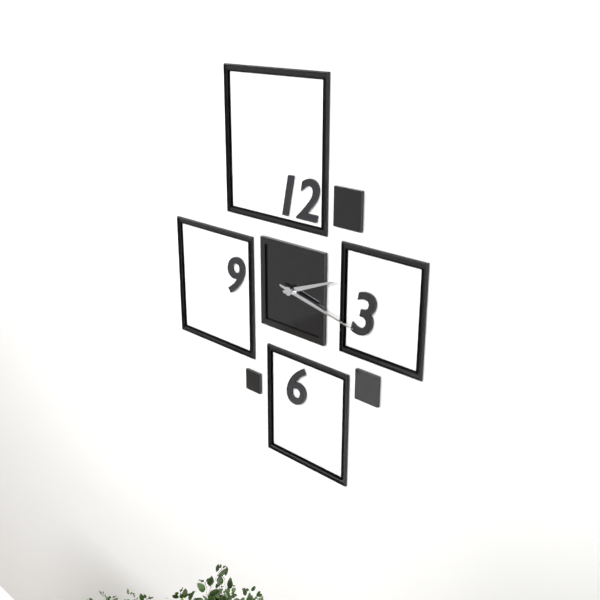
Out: 2,17
